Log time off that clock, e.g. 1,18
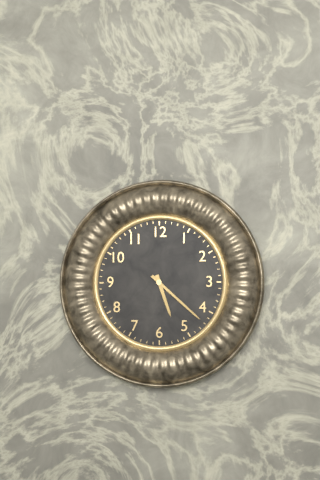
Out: 5,22
